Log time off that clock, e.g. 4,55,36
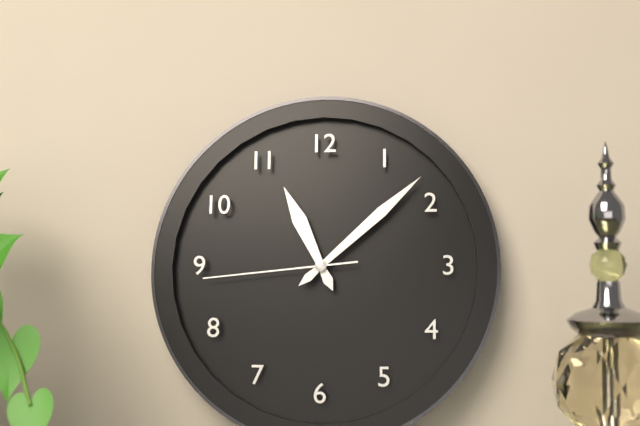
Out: 11,08,44
